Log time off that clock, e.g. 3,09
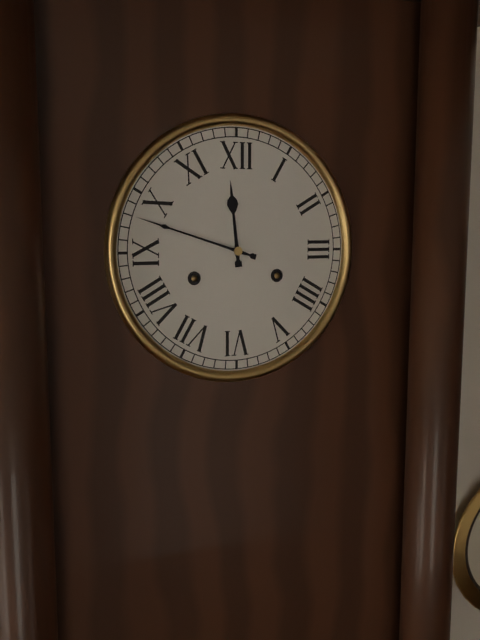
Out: 11,48
